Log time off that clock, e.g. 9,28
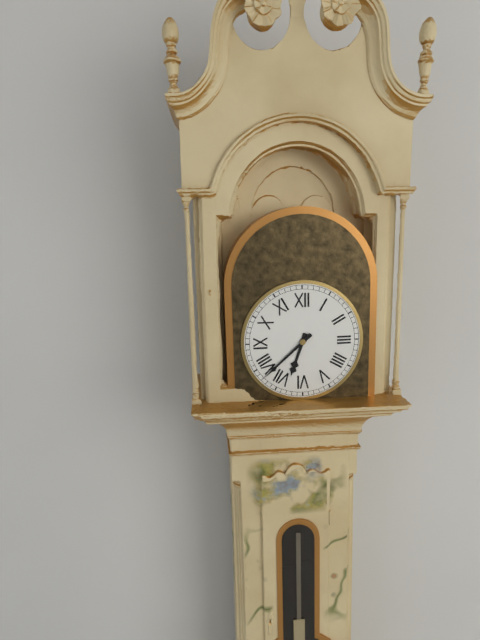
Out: 6,38
